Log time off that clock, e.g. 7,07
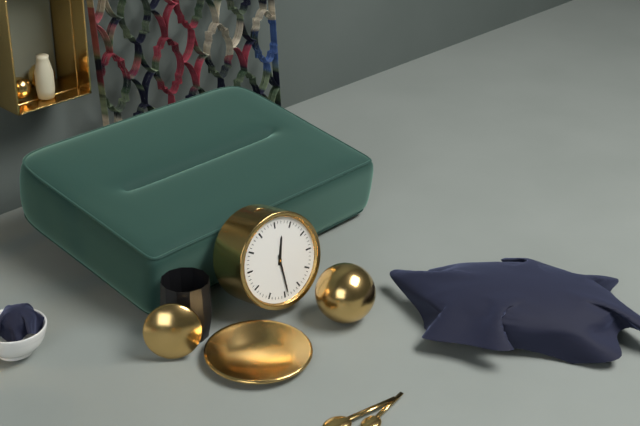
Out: 12,29
